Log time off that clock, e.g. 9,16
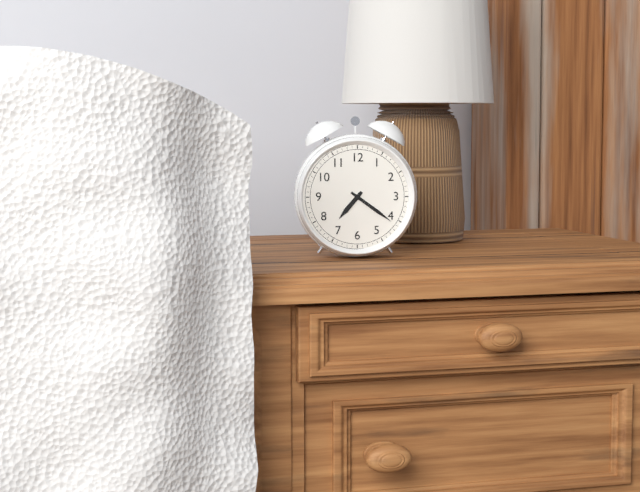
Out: 7,21
